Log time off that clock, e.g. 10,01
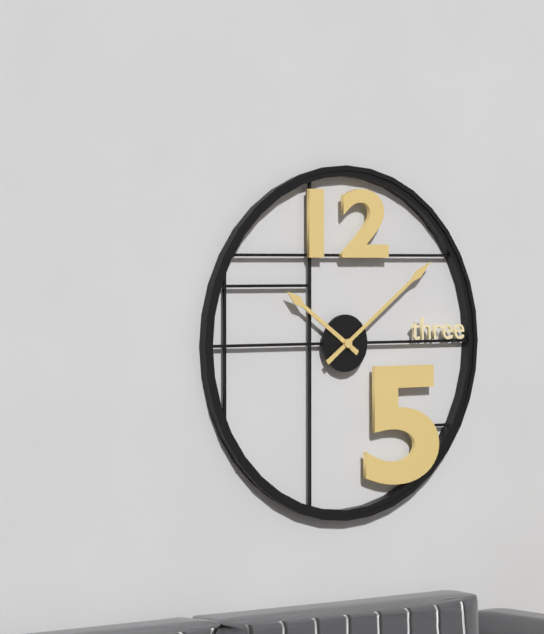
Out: 10,09
